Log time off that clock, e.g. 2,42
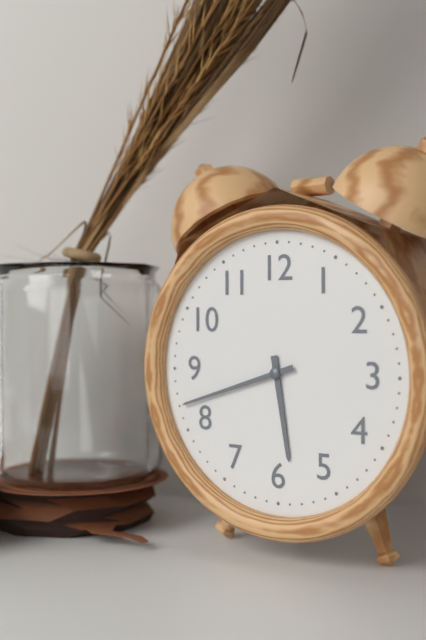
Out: 5,42
